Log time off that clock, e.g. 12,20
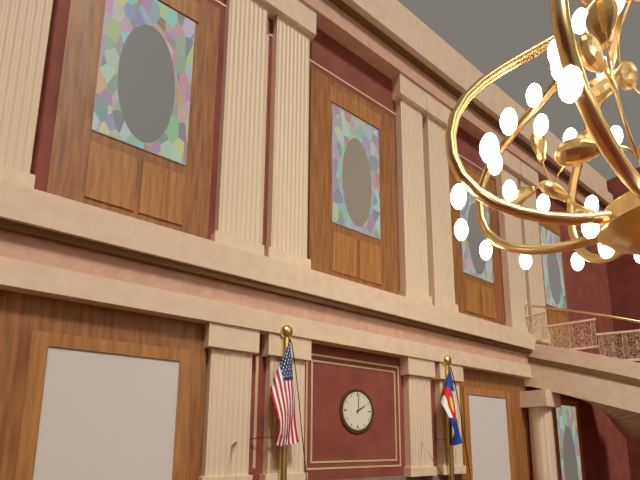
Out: 2,01
